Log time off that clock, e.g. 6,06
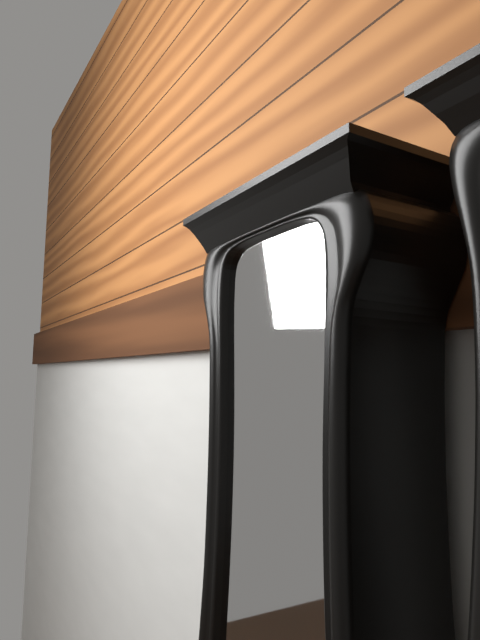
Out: 12,31
